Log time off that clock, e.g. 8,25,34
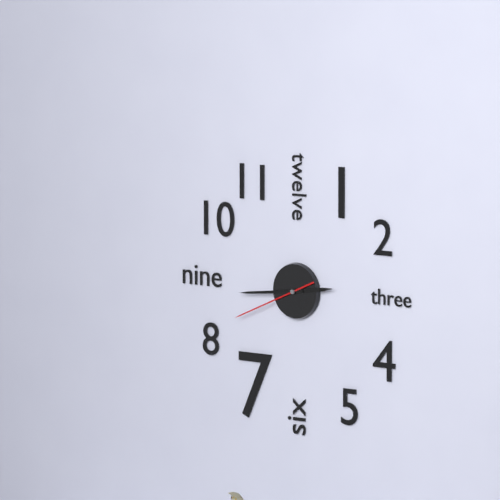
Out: 2,44,41
